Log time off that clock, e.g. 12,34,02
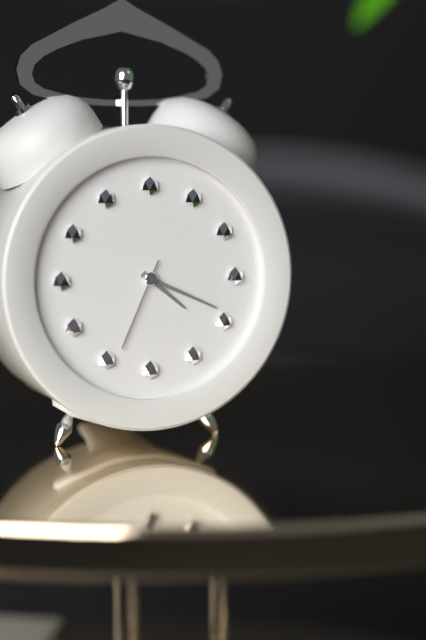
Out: 4,19,34
